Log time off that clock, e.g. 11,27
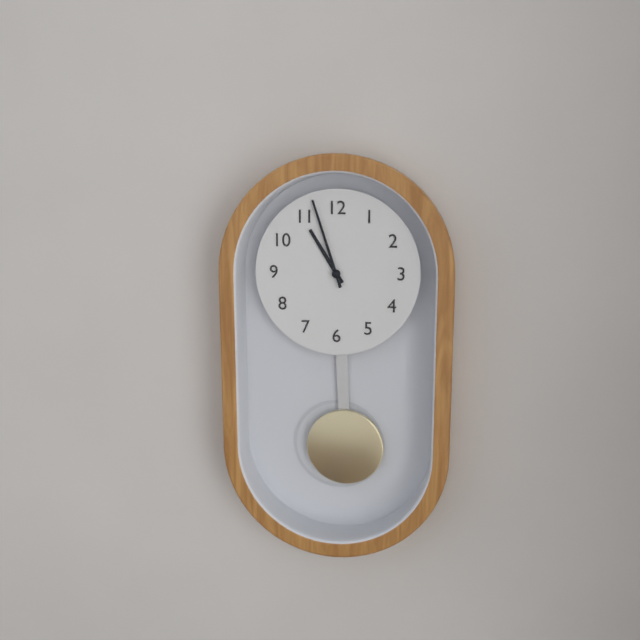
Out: 10,57
